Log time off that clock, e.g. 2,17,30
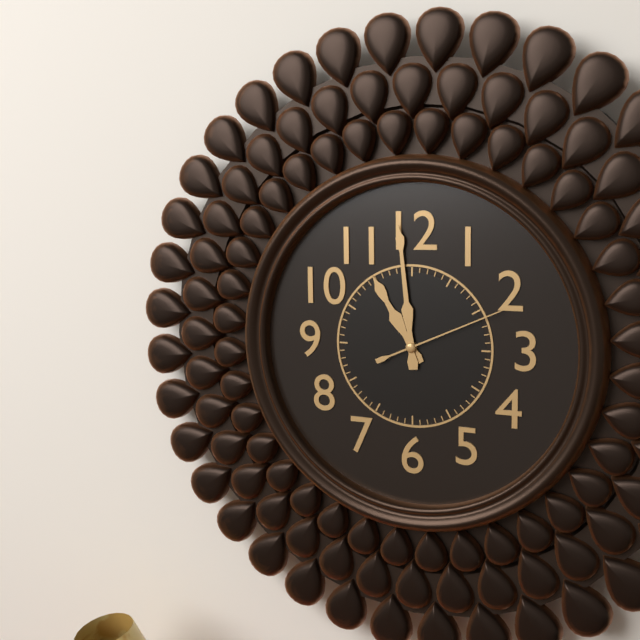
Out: 10,59,11
